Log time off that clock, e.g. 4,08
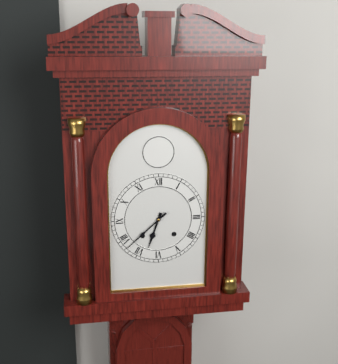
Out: 6,38
